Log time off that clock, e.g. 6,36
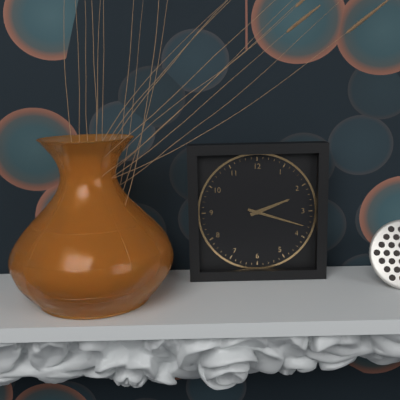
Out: 2,18
